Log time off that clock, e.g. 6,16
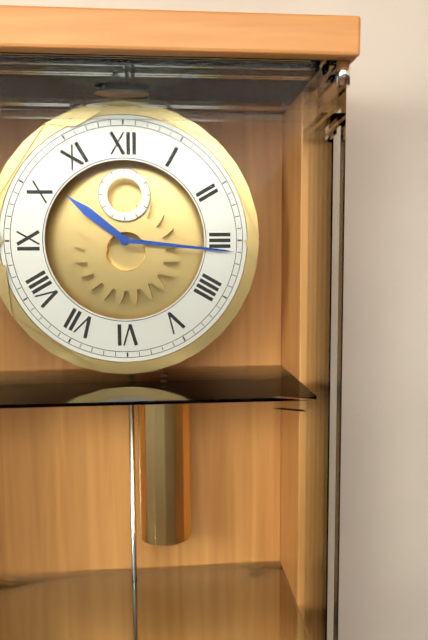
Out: 10,16
